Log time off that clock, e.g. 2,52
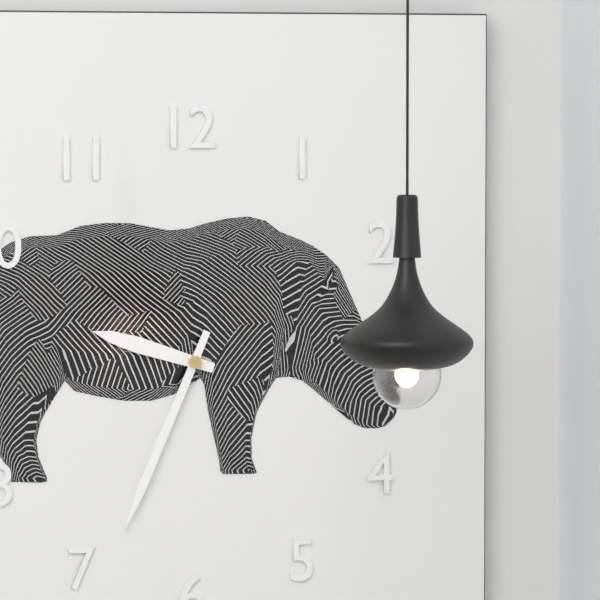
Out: 9,34
